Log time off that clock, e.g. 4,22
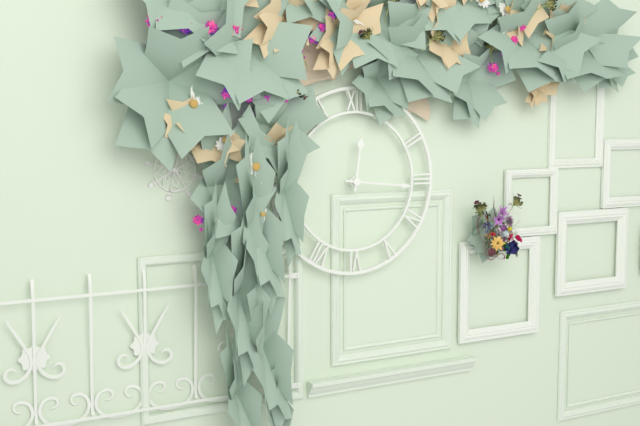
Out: 12,16
